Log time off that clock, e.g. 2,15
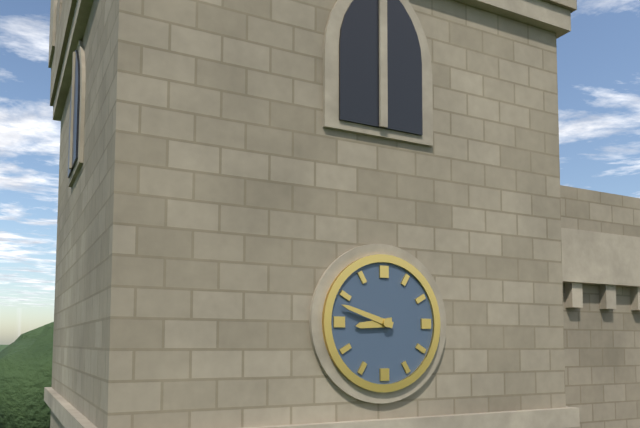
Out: 8,48
